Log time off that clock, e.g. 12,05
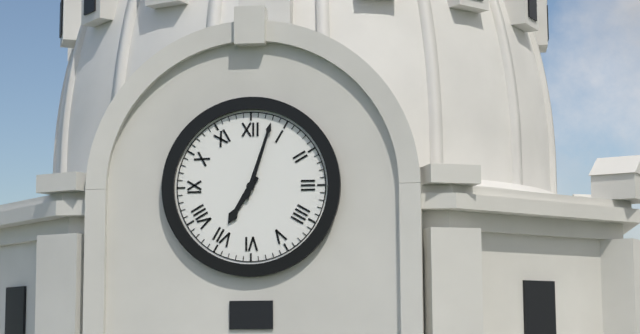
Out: 7,03
